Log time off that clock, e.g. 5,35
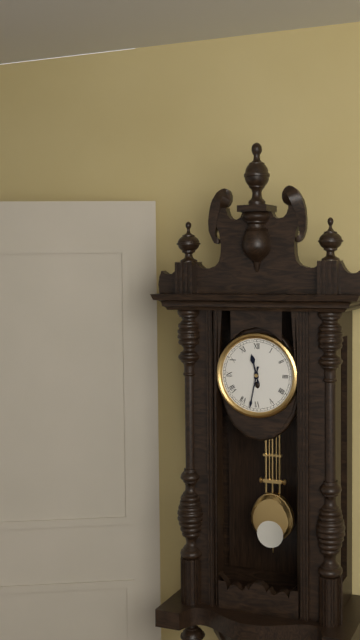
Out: 11,32
